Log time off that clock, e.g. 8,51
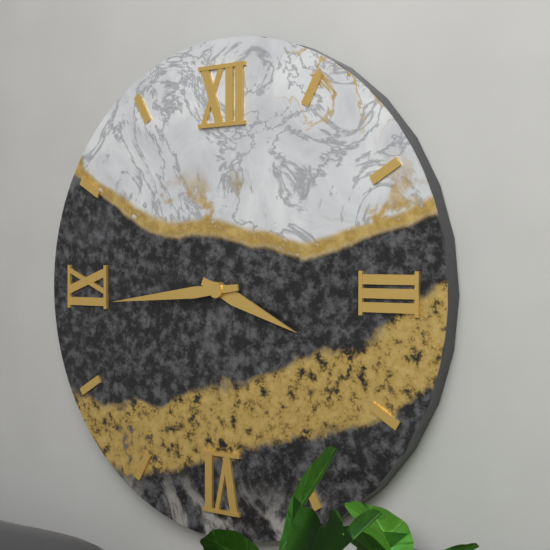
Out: 3,44
